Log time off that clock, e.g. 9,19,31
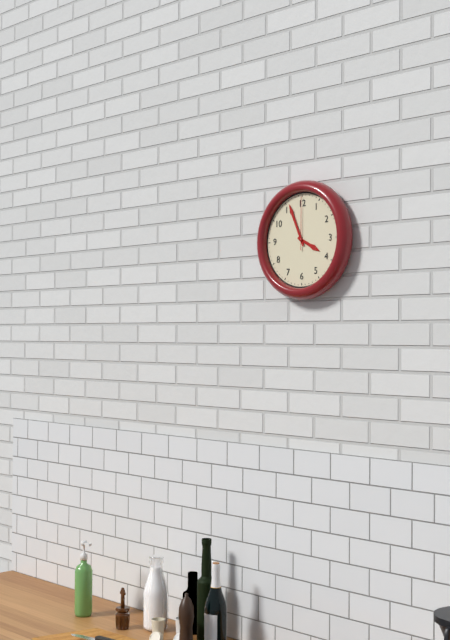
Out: 3,56,00
